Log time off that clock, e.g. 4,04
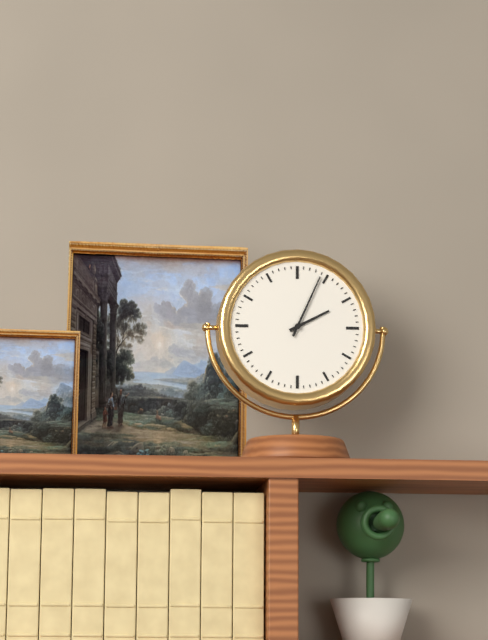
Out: 2,04
